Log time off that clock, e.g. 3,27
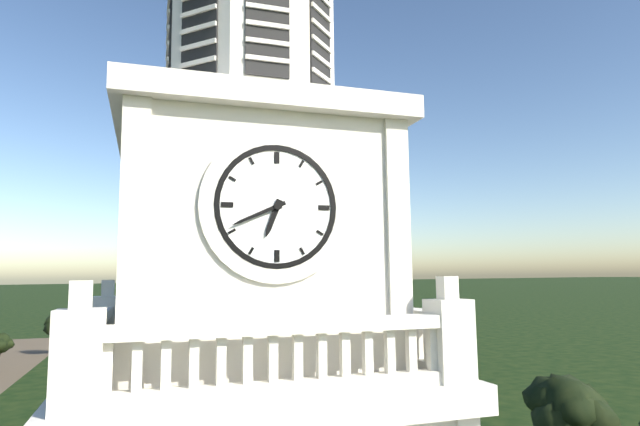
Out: 6,41
